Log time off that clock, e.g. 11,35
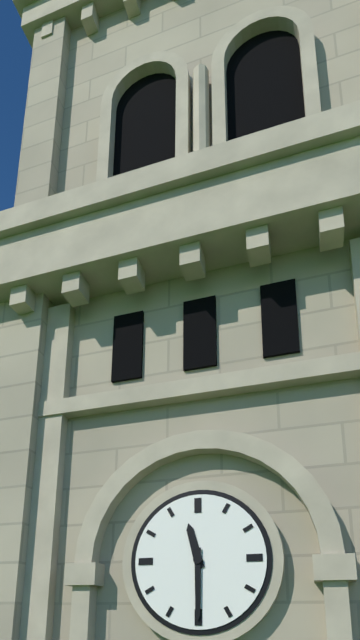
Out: 11,30
